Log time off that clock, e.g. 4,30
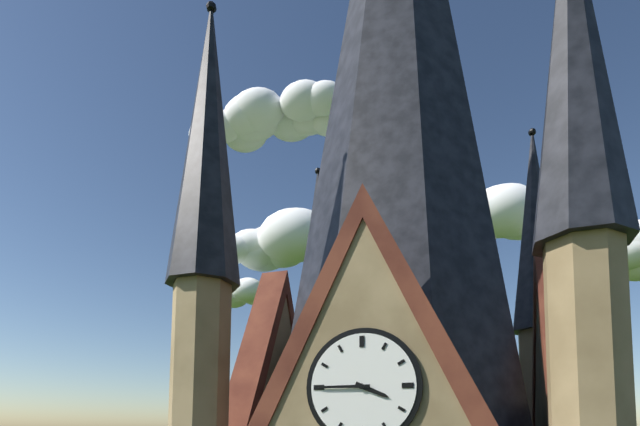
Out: 3,45
